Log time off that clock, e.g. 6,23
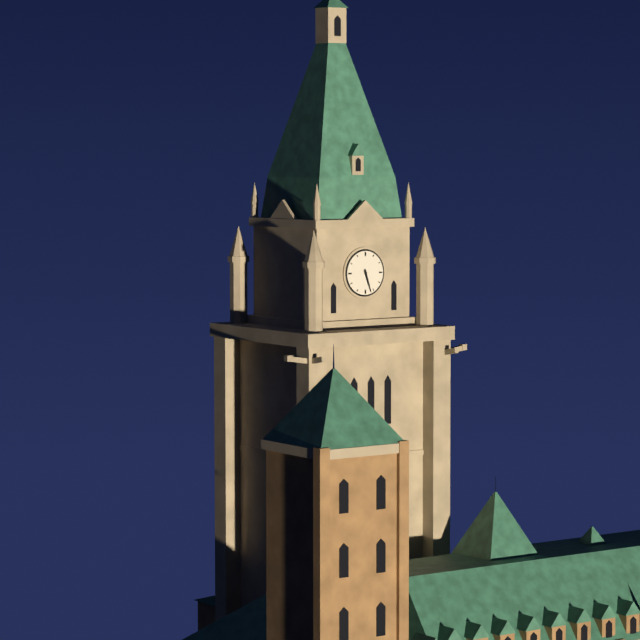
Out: 5,27
